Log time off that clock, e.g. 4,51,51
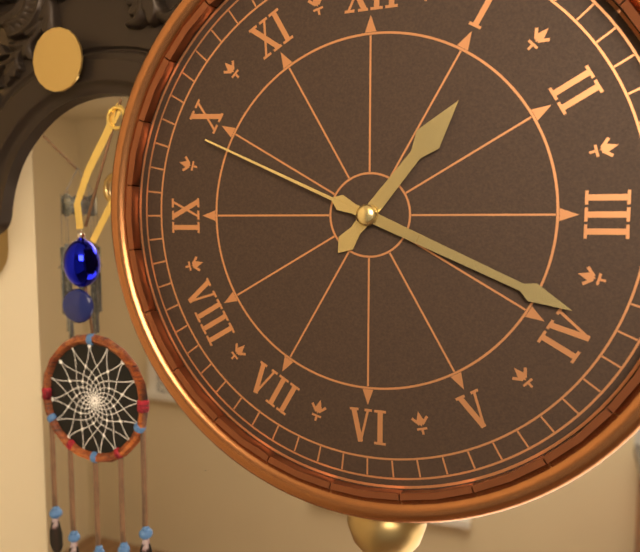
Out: 1,19,49
